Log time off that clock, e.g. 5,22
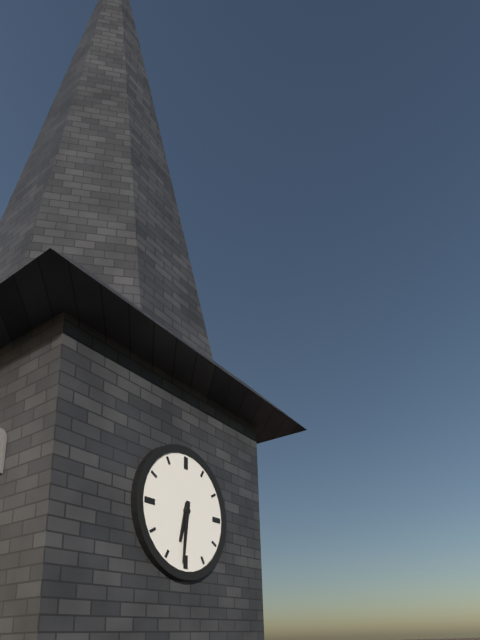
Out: 6,31
